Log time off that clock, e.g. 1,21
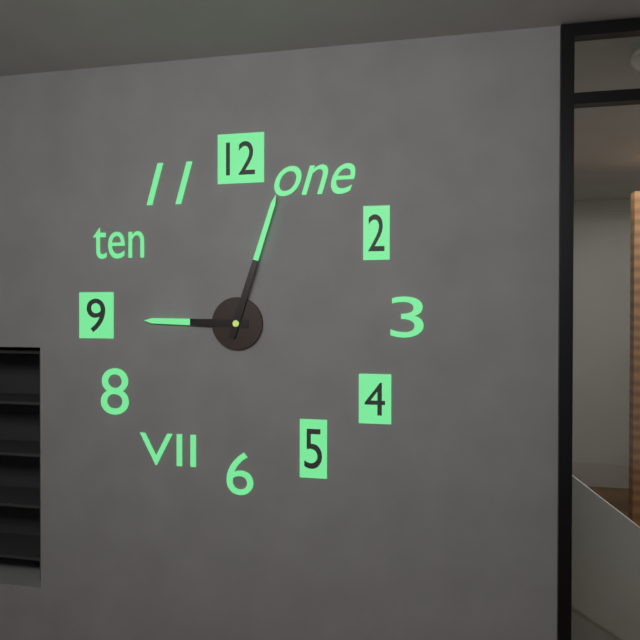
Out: 9,03
